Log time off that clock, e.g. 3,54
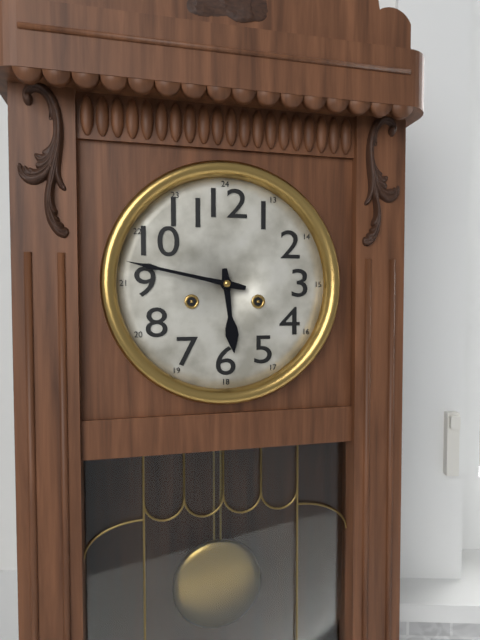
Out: 5,47
